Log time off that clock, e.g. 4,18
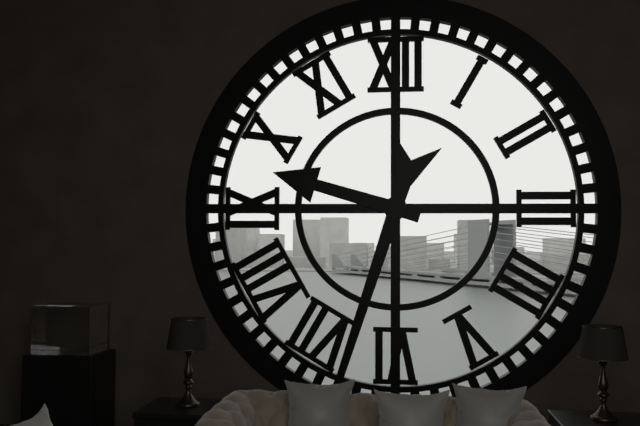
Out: 9,33
